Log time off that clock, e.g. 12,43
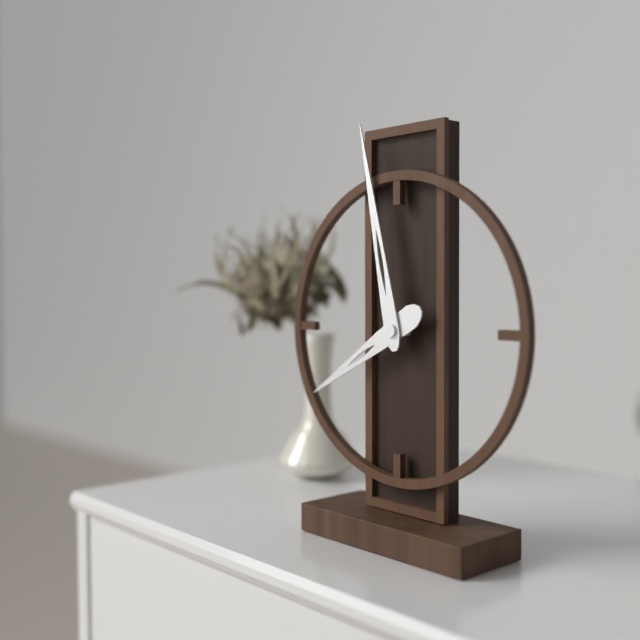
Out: 7,58
